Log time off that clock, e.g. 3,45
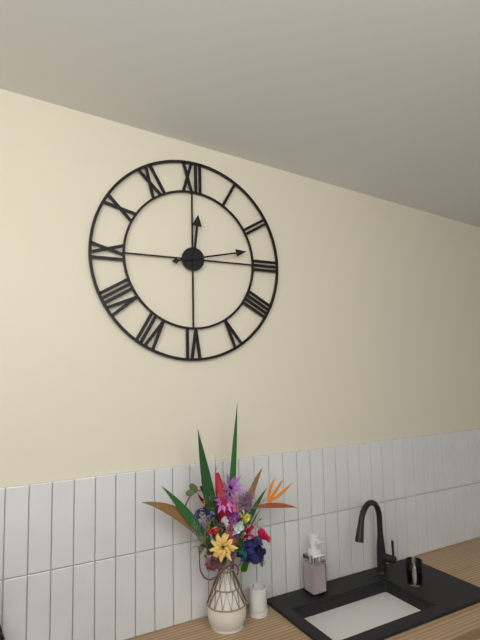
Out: 12,13
